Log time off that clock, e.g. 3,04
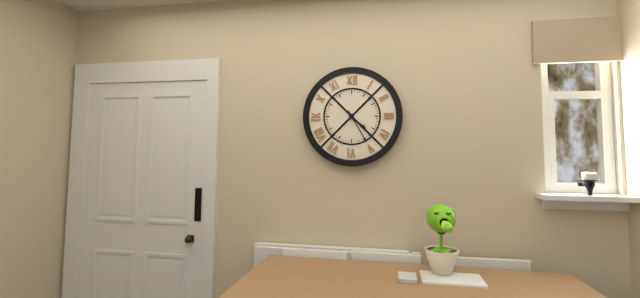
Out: 4,25
